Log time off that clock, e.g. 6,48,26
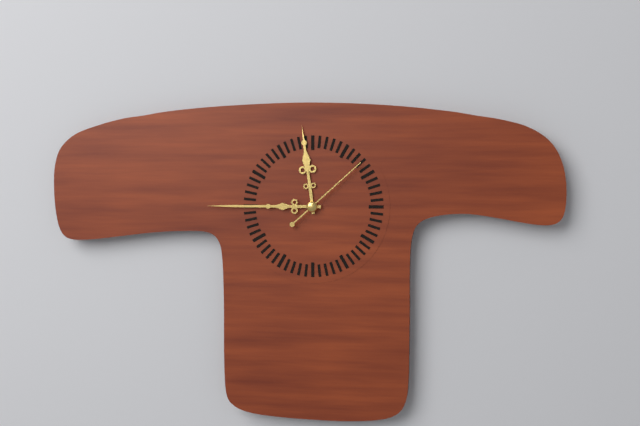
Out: 11,45,08
